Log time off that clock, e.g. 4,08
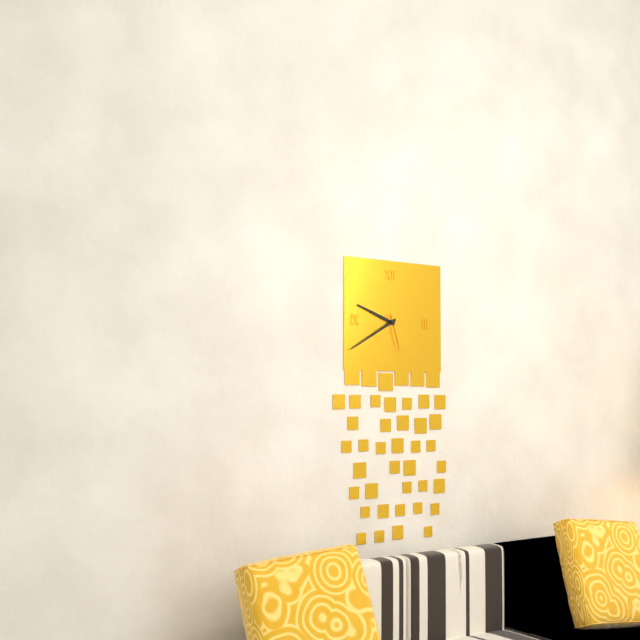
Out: 9,40
